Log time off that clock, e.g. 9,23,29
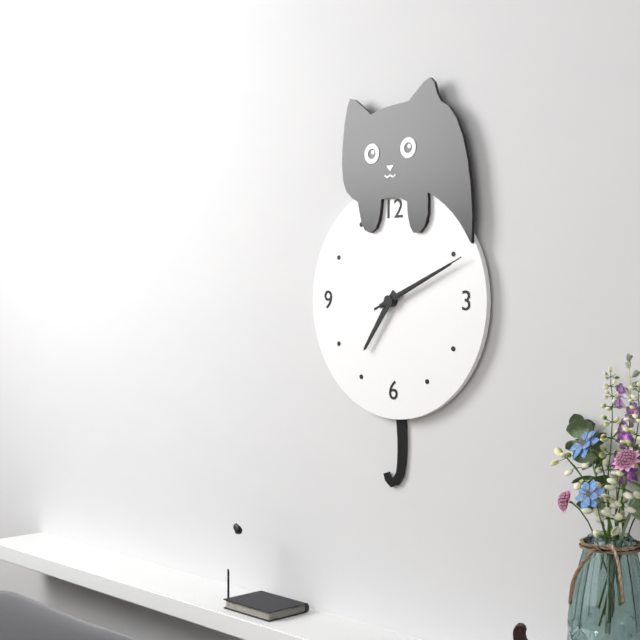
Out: 7,11,11
